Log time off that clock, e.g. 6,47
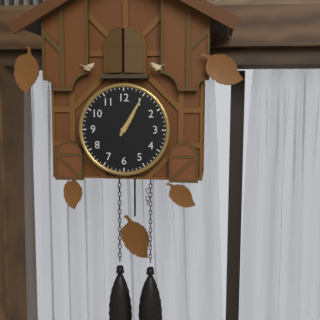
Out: 1,05
